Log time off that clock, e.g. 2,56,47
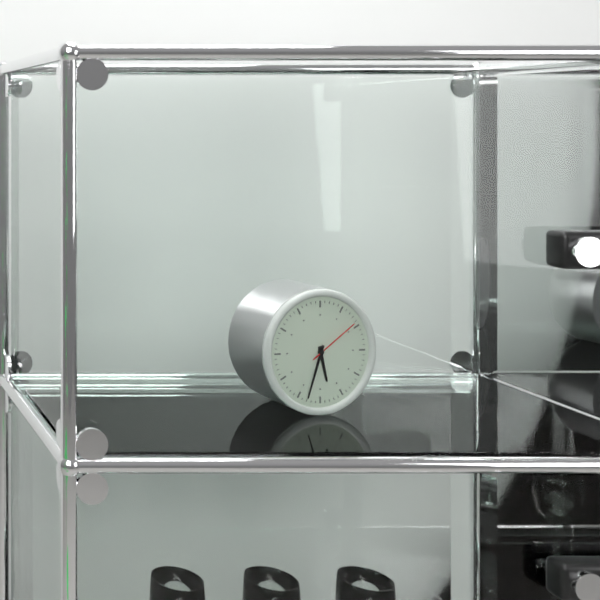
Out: 5,33,09
